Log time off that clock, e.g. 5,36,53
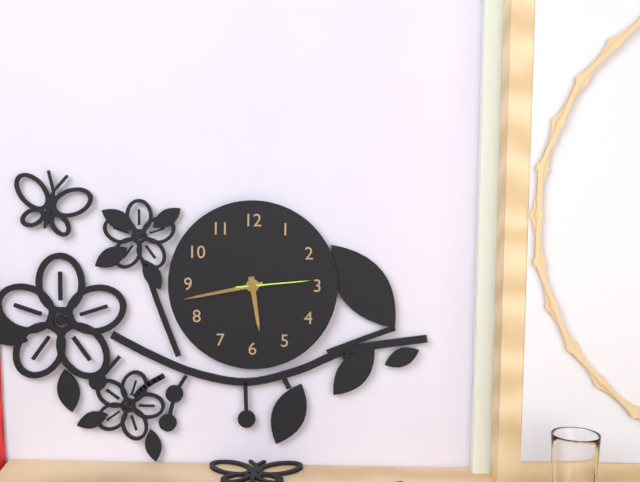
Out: 5,43,14
